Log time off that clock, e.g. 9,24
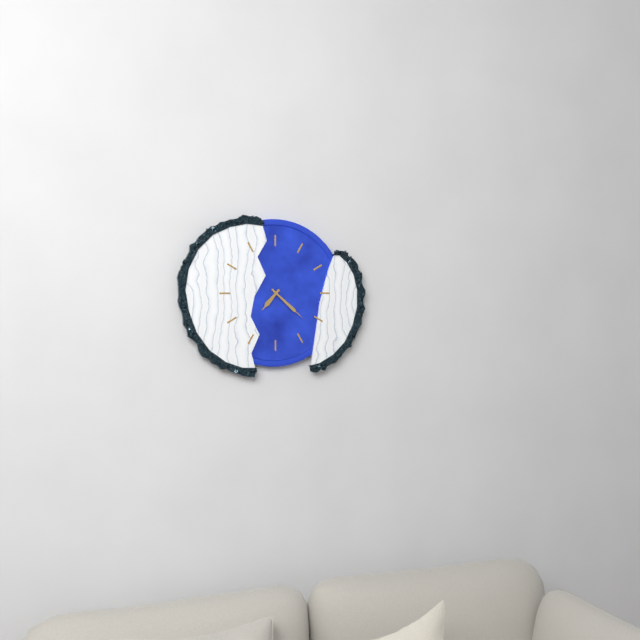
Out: 7,22
